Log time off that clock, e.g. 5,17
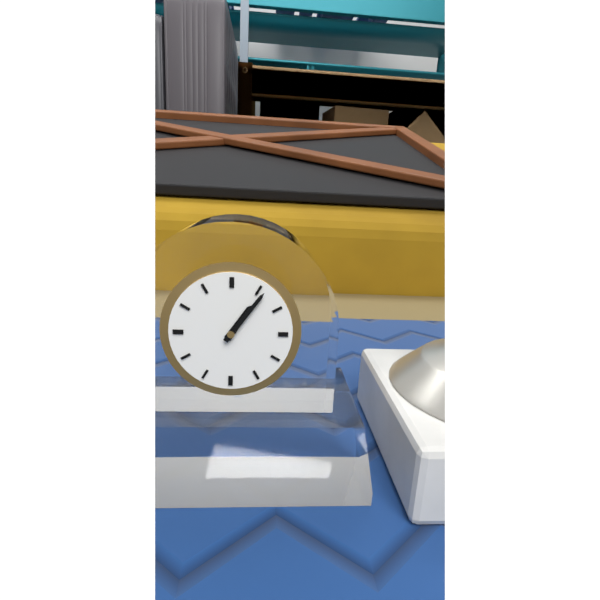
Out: 1,06
